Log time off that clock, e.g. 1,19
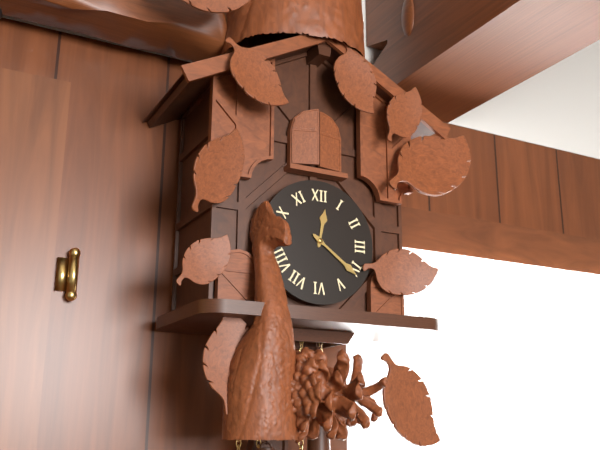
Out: 12,21
